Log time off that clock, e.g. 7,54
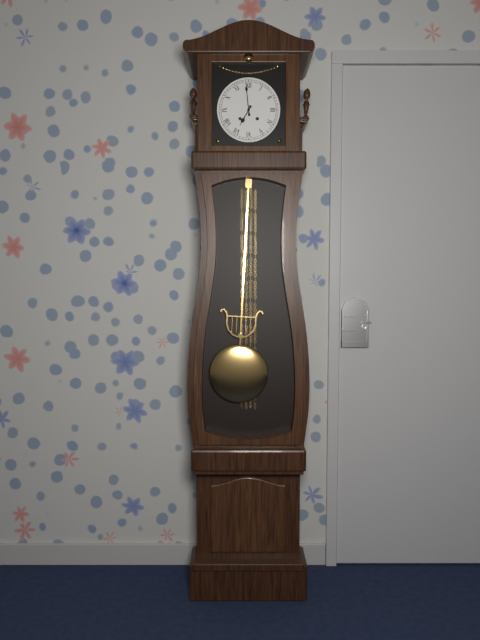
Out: 6,59
